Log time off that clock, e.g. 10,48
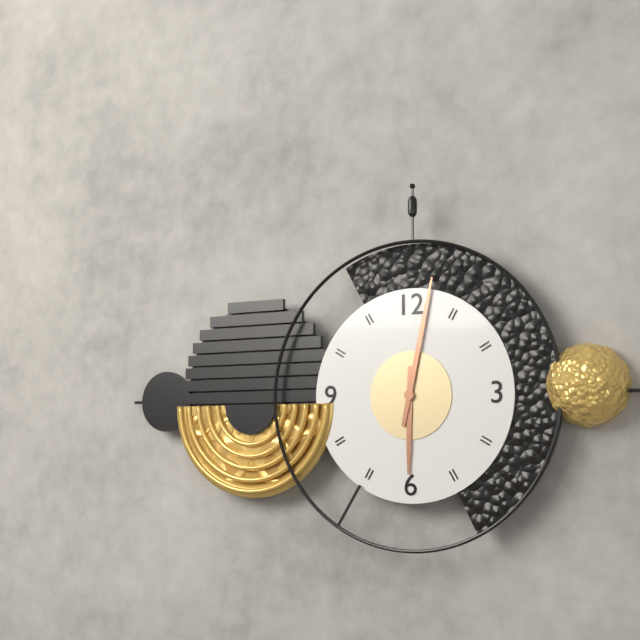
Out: 6,02
